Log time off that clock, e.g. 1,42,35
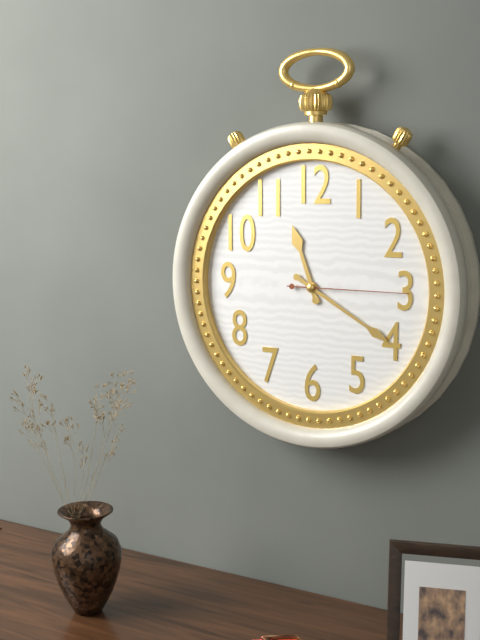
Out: 11,20,15
